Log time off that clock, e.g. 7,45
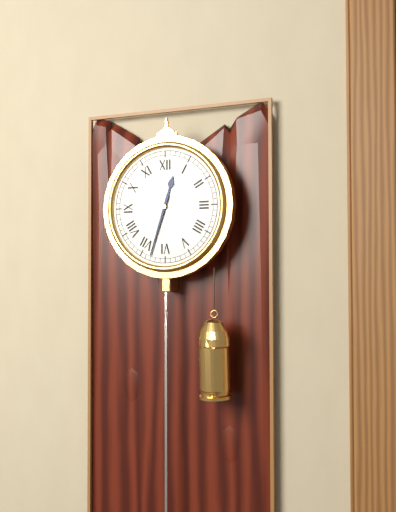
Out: 12,33
